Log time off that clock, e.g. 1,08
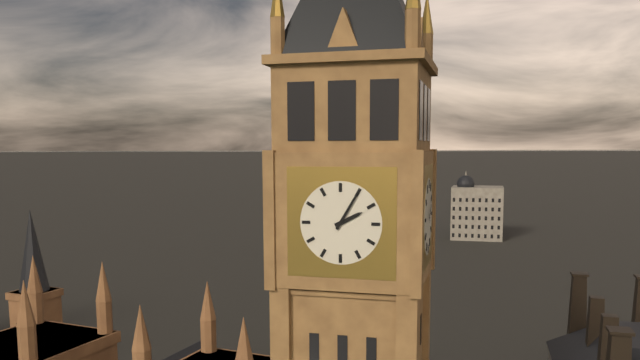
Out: 2,05
